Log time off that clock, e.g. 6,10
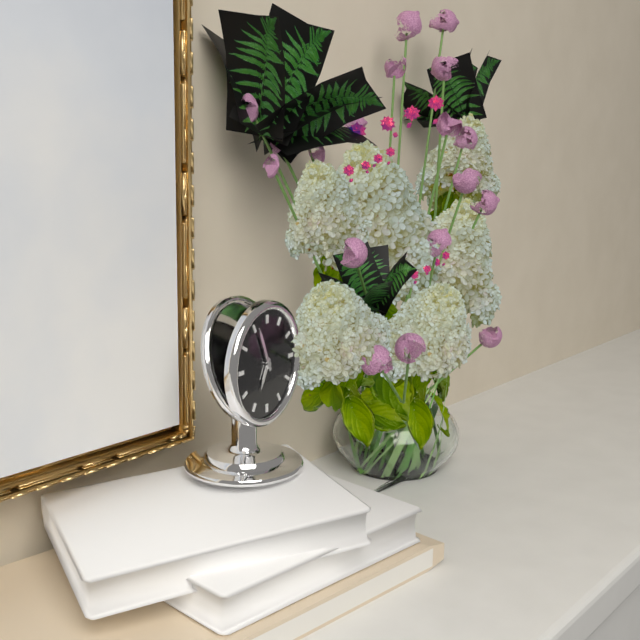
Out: 6,56
